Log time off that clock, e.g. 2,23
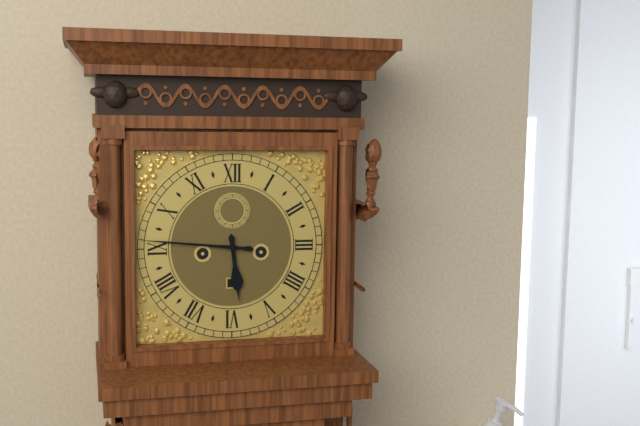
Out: 5,46
